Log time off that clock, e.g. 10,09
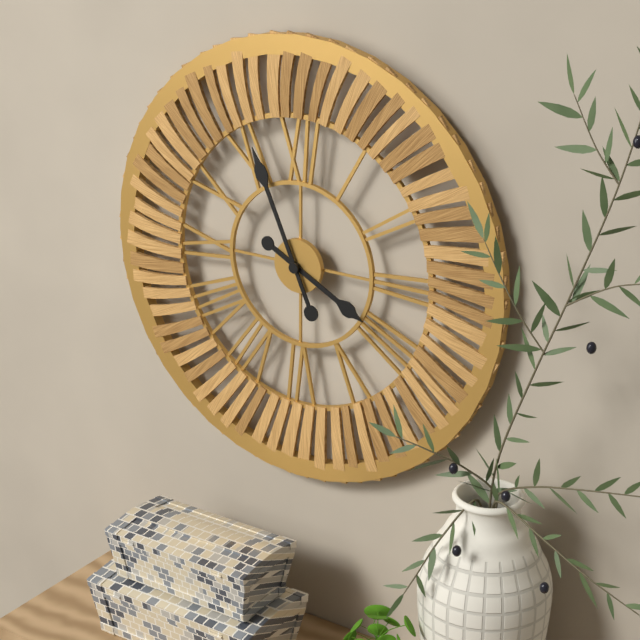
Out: 3,56
